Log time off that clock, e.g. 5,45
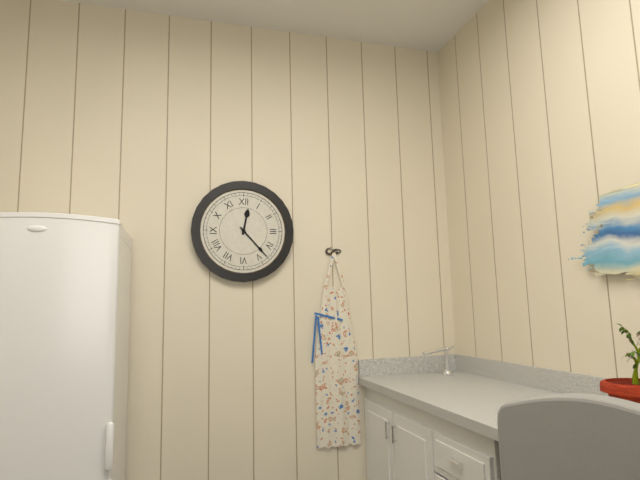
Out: 12,23
